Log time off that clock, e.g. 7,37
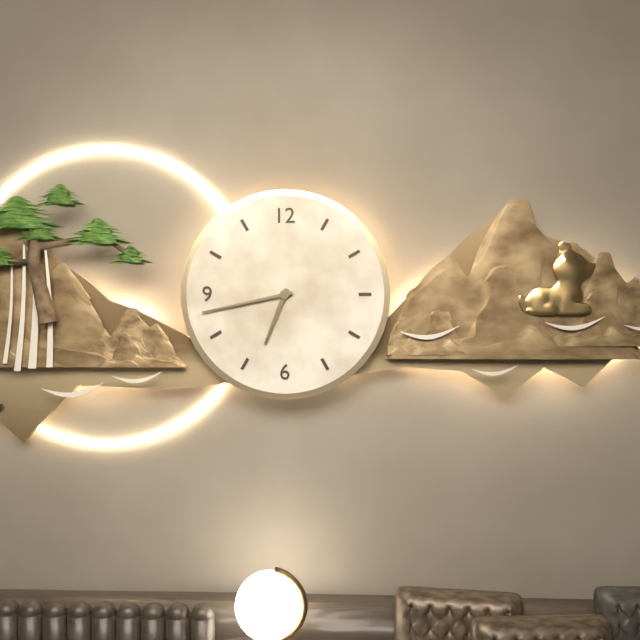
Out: 6,43
